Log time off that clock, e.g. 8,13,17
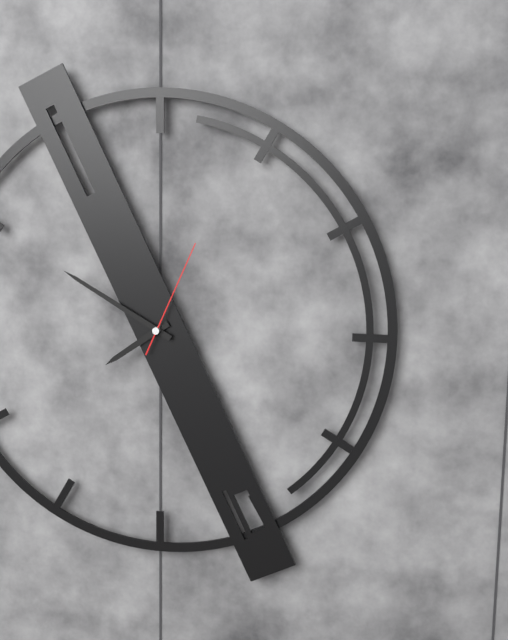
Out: 7,50,04
